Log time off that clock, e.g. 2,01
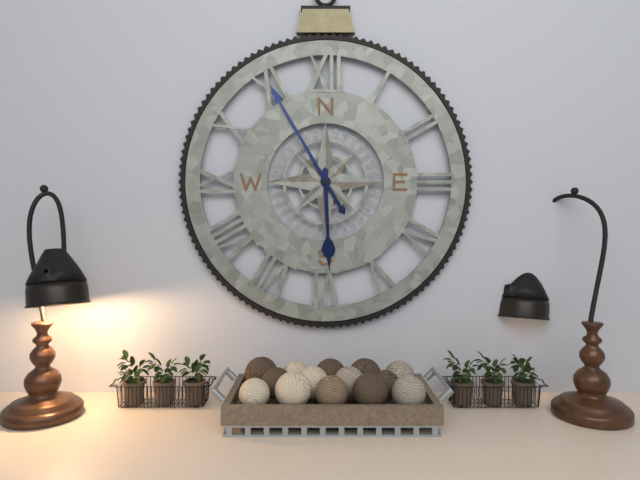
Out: 5,55
